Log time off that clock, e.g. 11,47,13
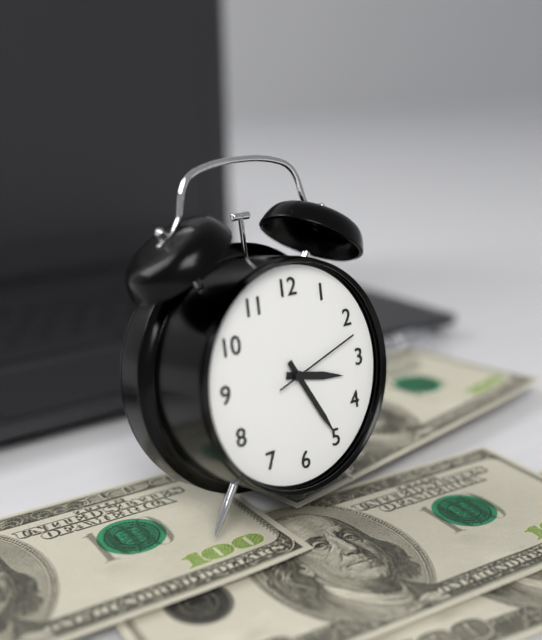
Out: 3,25,12
